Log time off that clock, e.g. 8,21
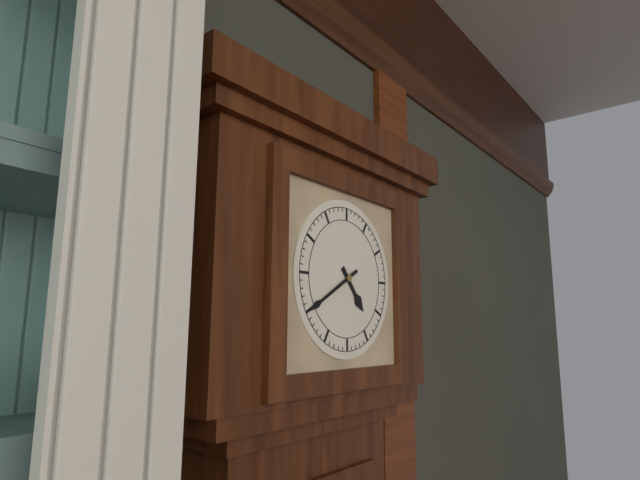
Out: 4,40
